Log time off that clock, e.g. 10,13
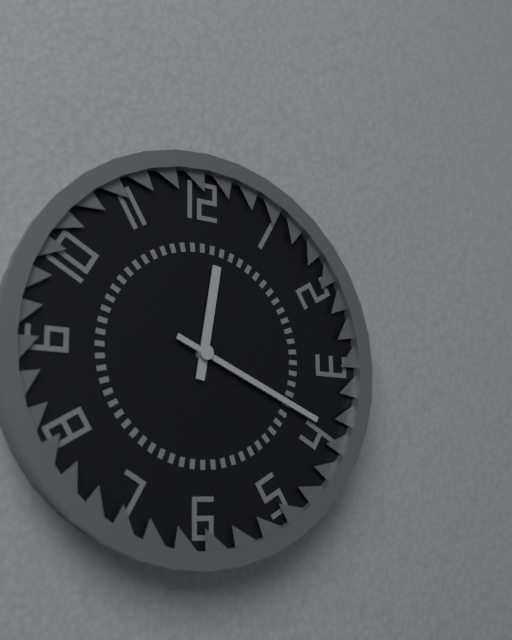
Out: 12,19
